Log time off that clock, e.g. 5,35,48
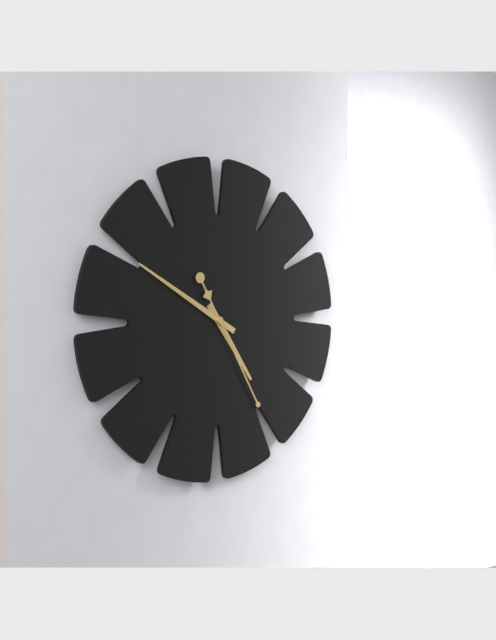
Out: 4,50,25
